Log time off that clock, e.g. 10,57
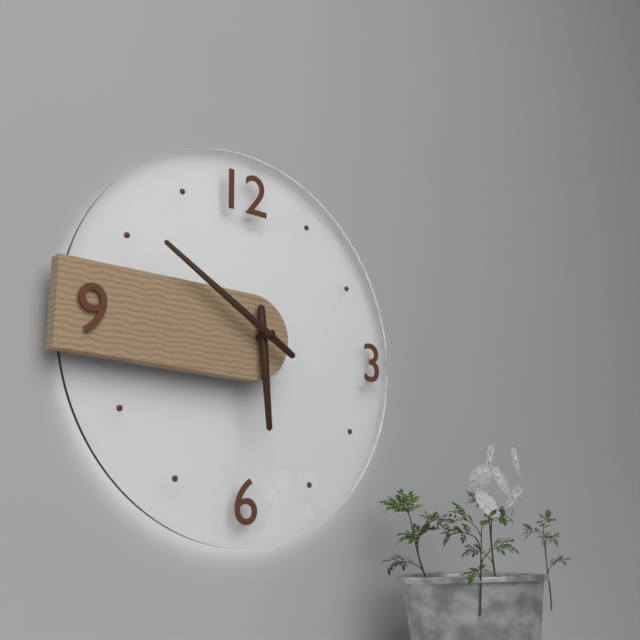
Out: 5,50
